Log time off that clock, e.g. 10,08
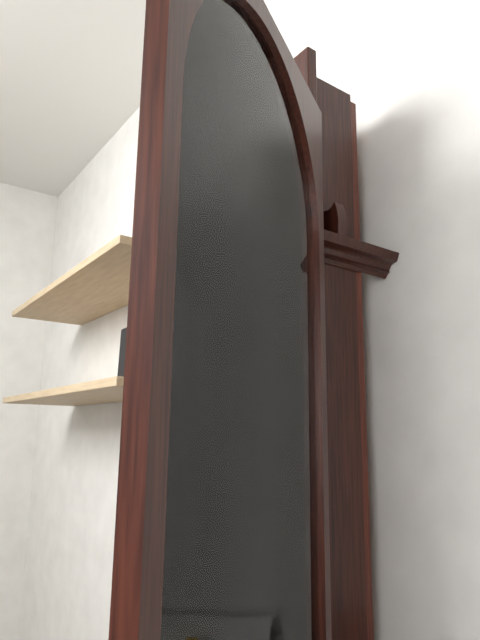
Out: 7,54
